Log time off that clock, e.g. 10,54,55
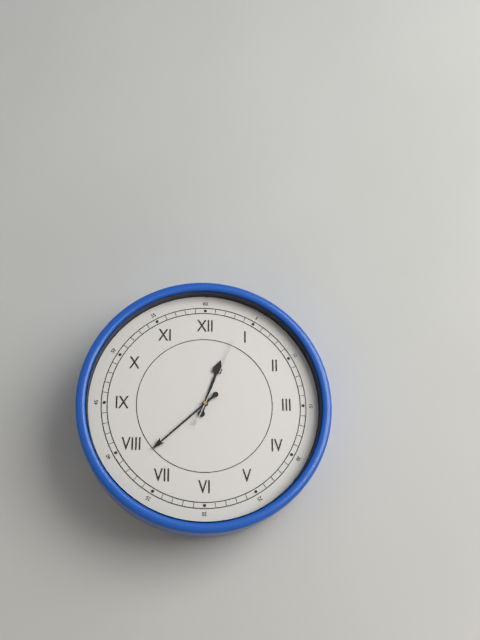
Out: 12,38,04
